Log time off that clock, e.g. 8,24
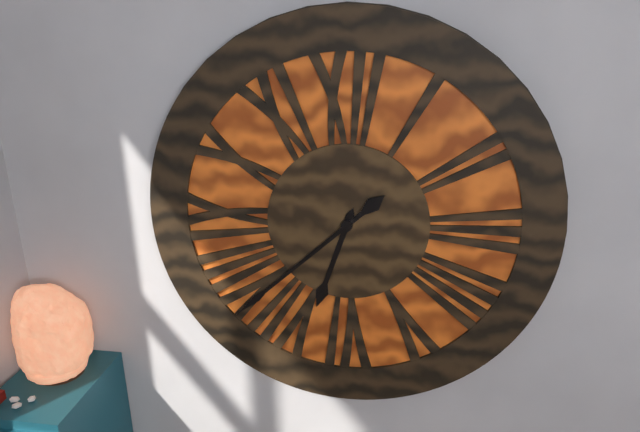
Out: 6,38
